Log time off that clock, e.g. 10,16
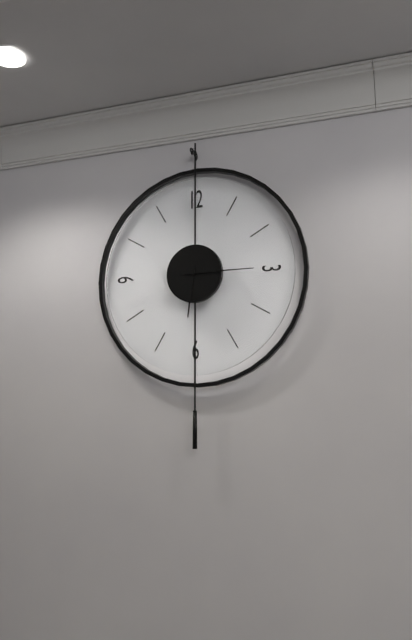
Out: 6,15
